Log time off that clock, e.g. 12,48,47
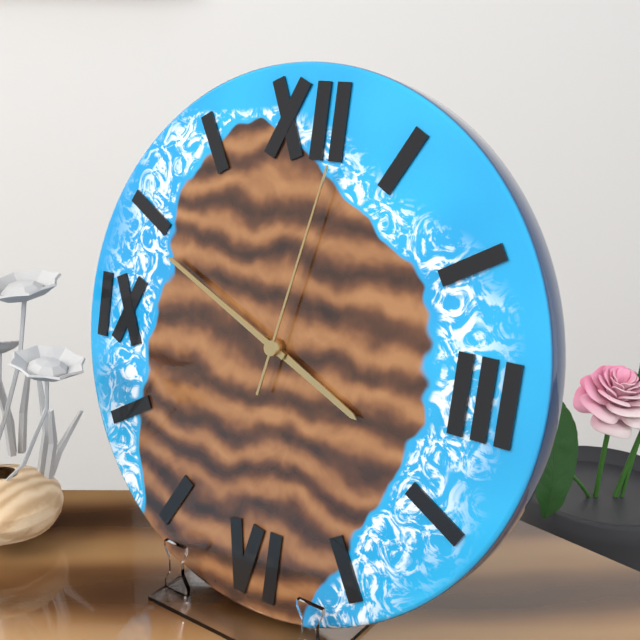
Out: 3,49,02
